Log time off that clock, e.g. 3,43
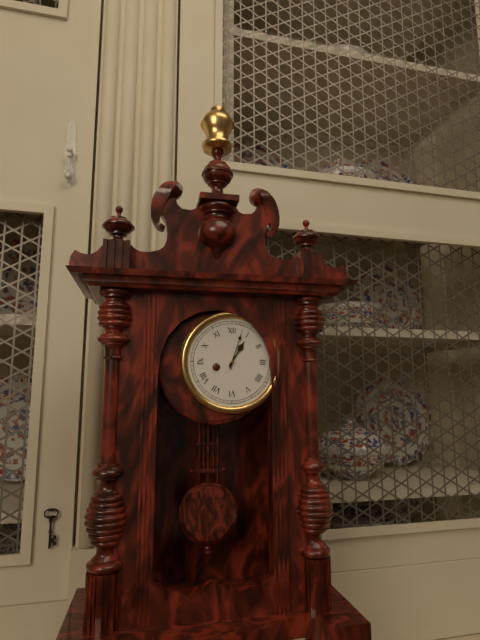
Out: 1,03
